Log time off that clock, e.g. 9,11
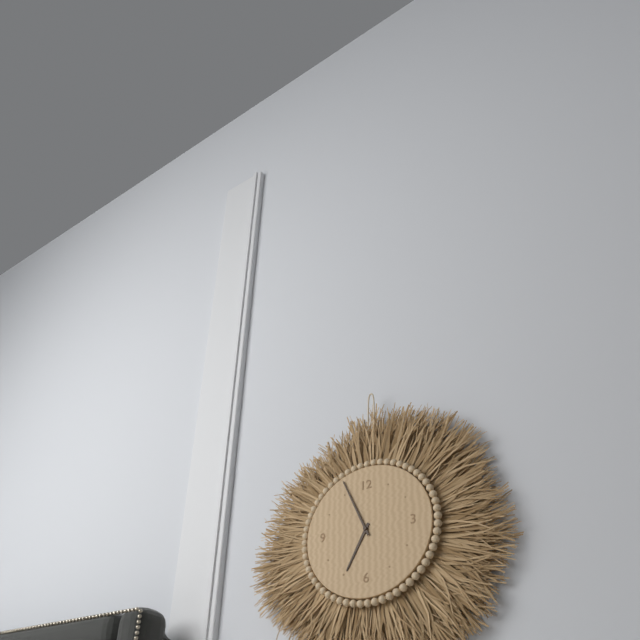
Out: 6,56
